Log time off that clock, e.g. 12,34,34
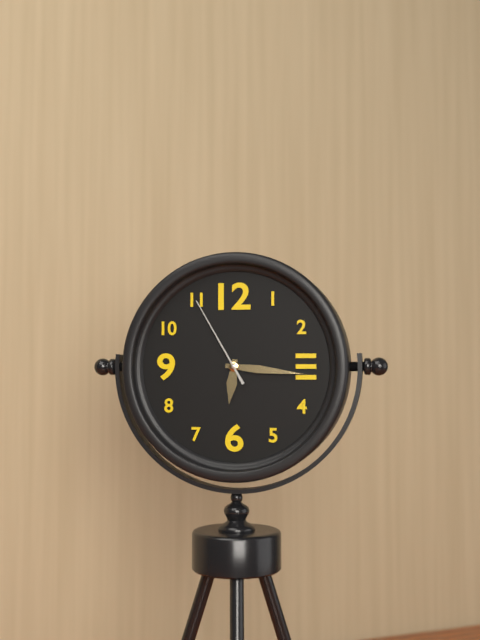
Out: 6,16,55
